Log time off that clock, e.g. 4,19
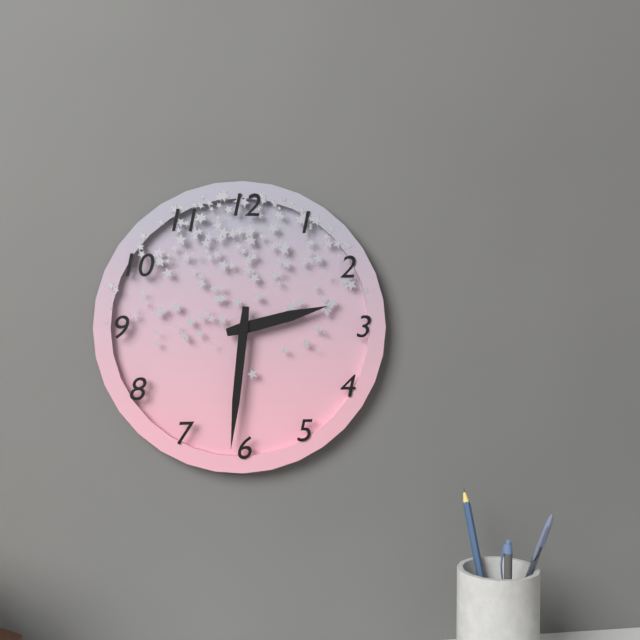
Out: 2,31
